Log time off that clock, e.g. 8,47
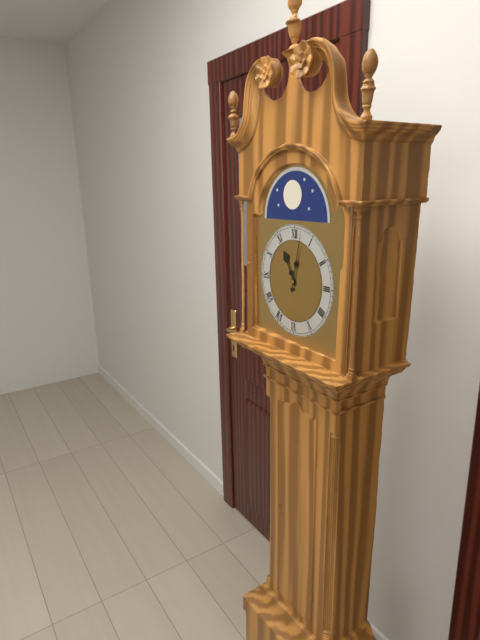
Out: 11,02
